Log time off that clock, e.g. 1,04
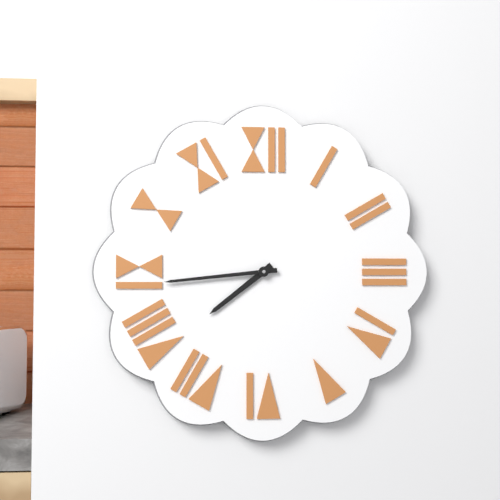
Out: 7,44
